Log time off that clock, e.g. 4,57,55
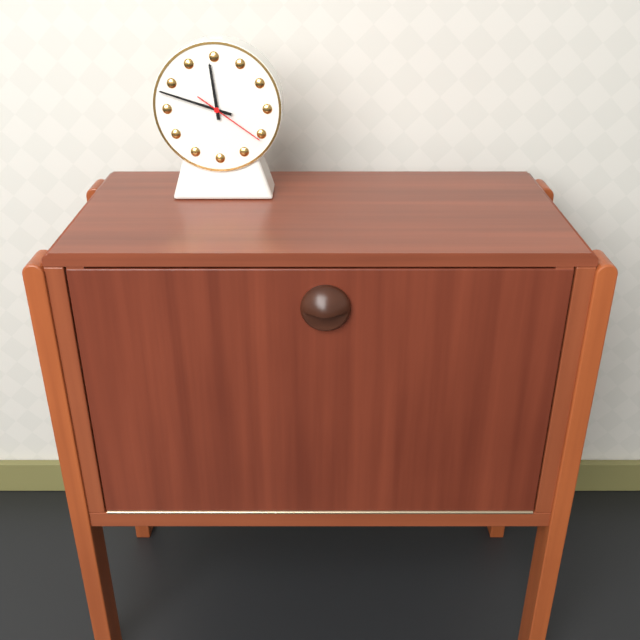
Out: 11,48,21
